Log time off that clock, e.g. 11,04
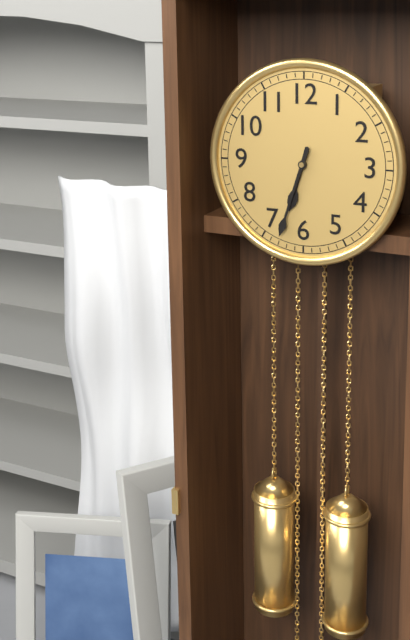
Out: 6,33
